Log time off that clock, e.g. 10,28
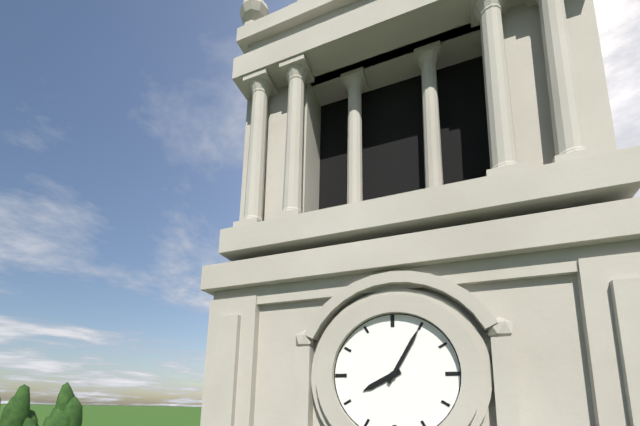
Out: 8,05
